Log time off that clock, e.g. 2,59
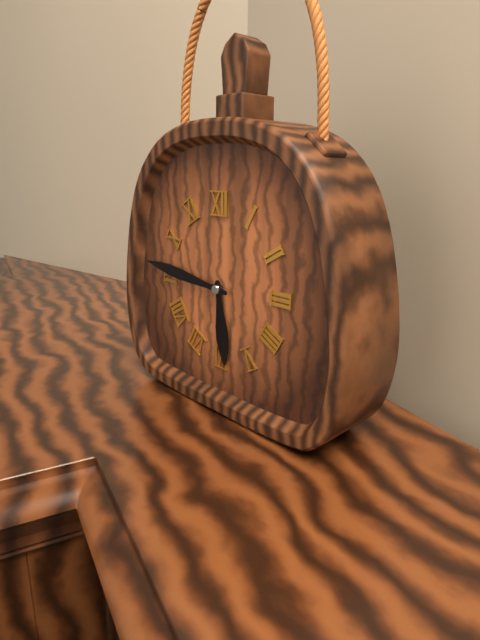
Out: 5,46
